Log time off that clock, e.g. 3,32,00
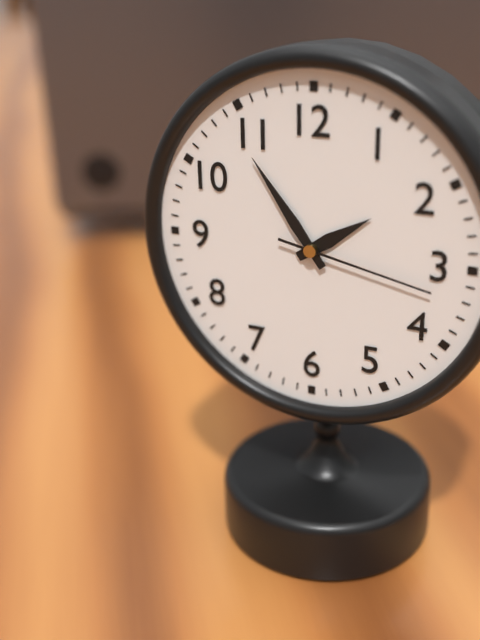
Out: 1,54,17
